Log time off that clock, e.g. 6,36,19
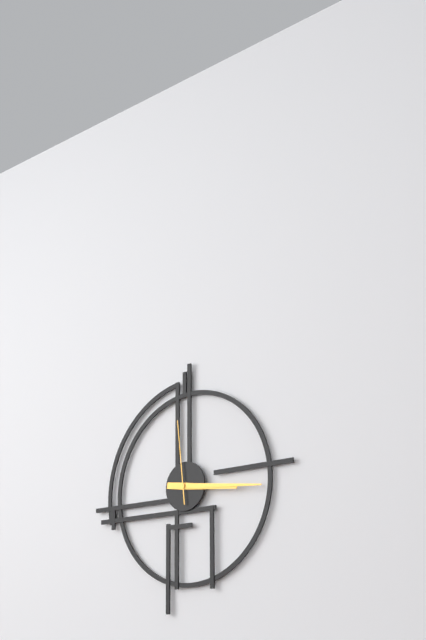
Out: 3,16,59
